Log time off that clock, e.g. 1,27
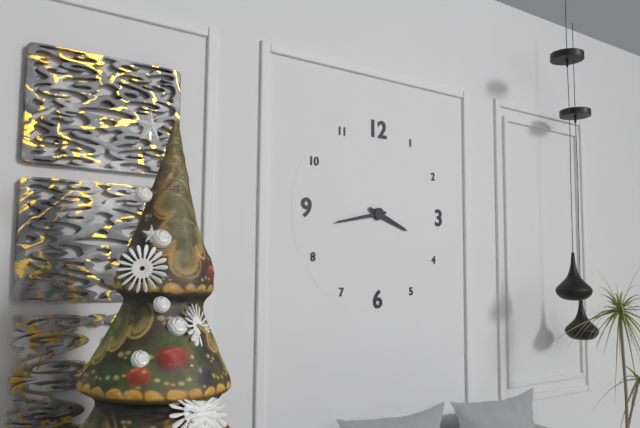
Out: 3,43
